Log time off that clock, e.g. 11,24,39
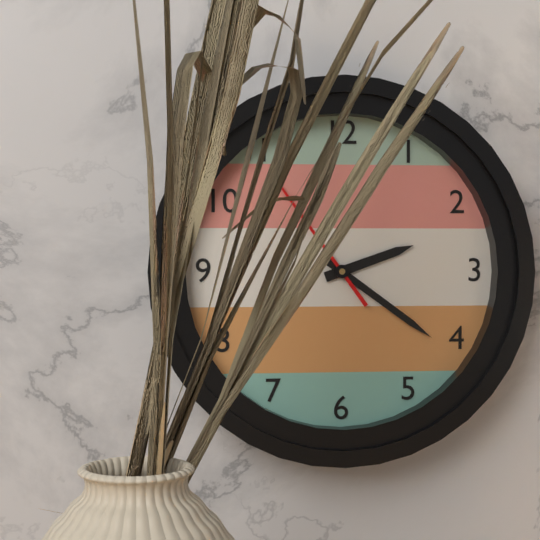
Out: 2,21,54
